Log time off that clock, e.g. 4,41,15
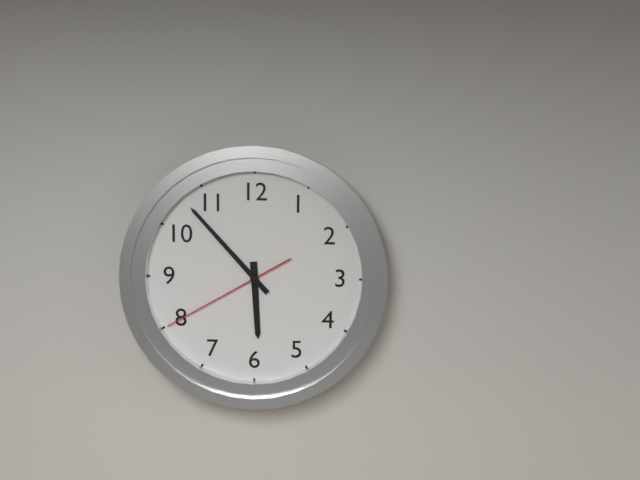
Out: 5,53,40
